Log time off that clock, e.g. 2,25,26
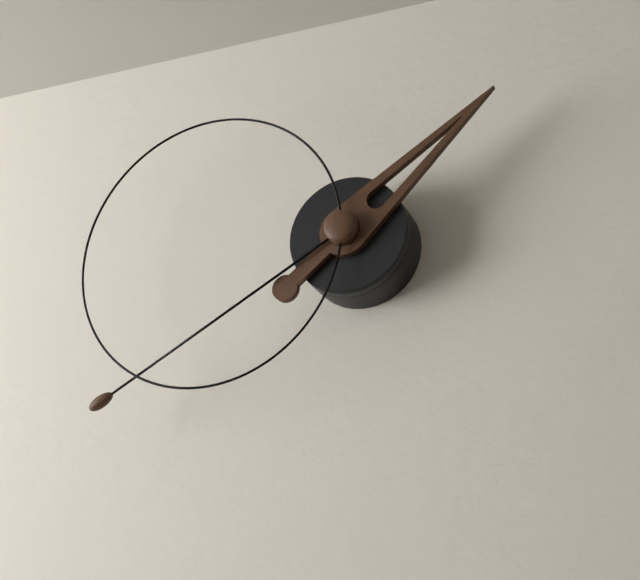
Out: 1,40,45
